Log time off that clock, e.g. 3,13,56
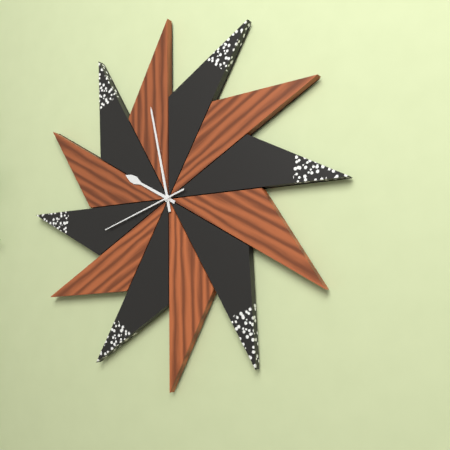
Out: 9,58,42
